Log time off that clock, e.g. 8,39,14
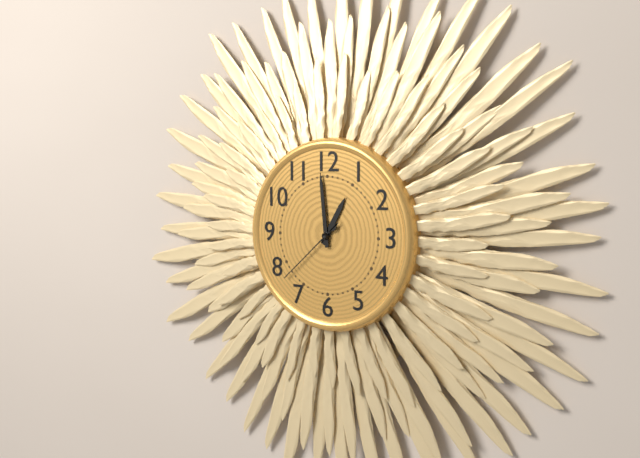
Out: 12,59,38
